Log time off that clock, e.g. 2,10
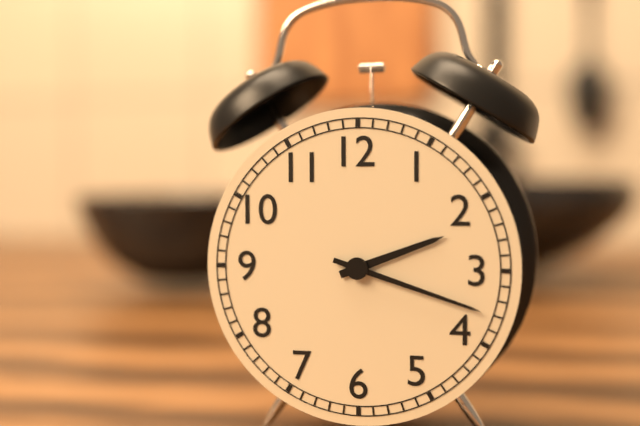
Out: 2,18
